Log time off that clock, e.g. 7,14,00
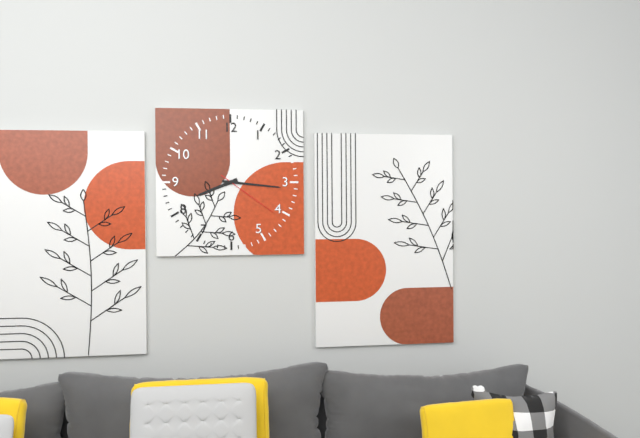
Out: 8,16,21
